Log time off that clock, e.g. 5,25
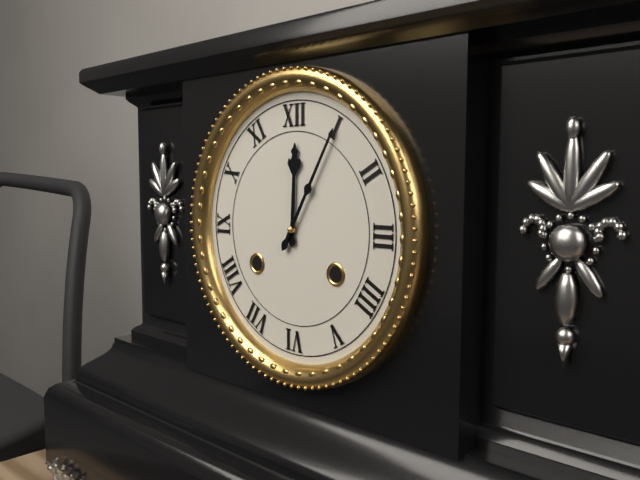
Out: 12,05
